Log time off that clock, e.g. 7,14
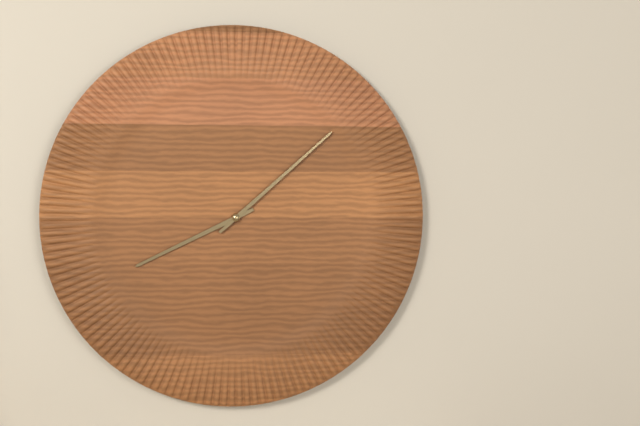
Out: 8,08
